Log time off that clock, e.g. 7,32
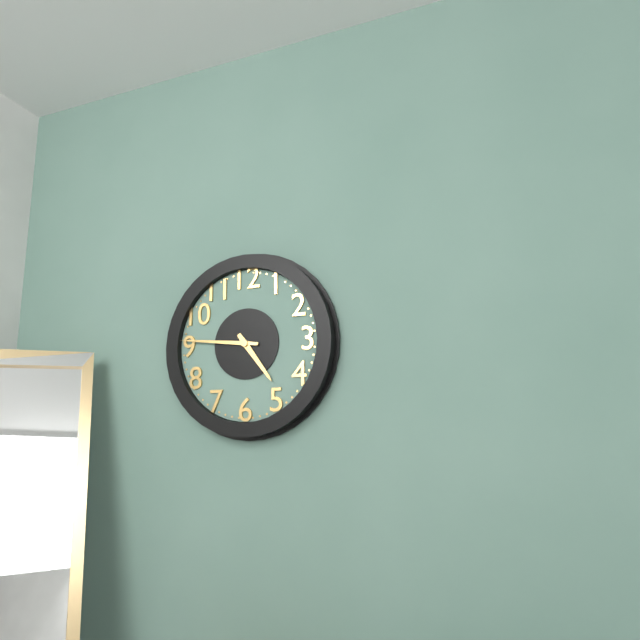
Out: 4,46
